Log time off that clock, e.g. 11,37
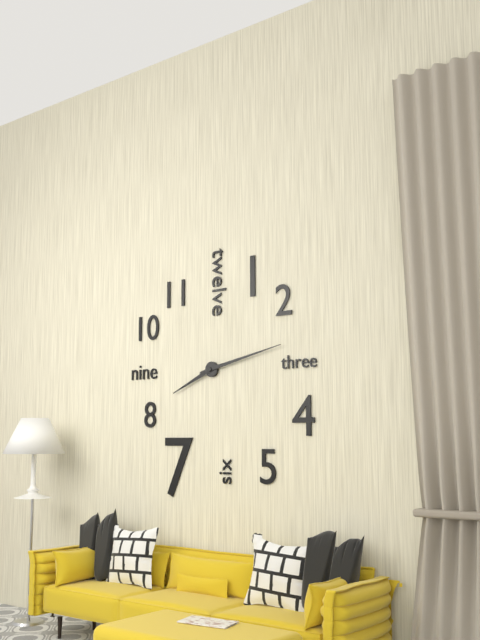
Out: 8,13
